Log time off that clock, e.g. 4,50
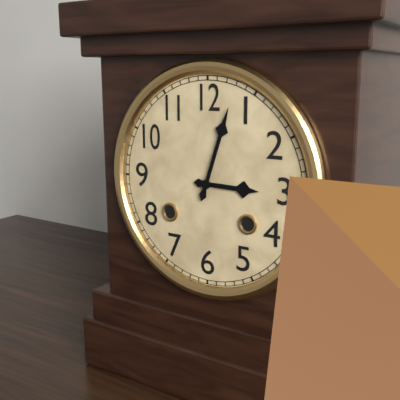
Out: 3,03
